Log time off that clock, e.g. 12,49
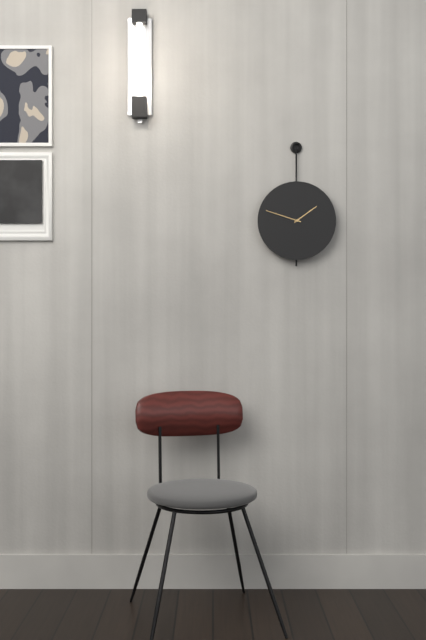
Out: 1,48
